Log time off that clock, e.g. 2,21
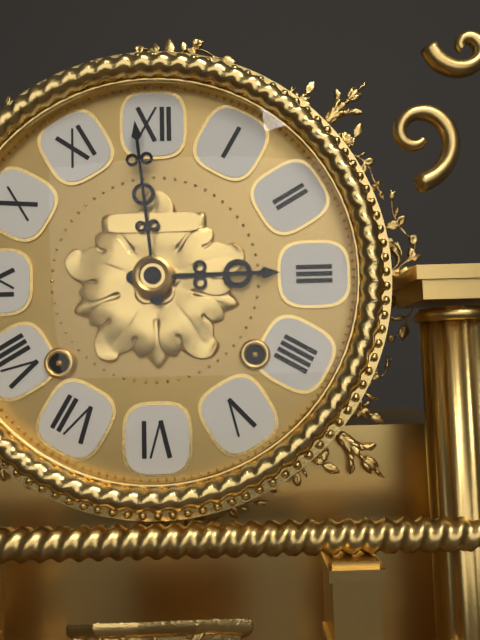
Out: 2,59
